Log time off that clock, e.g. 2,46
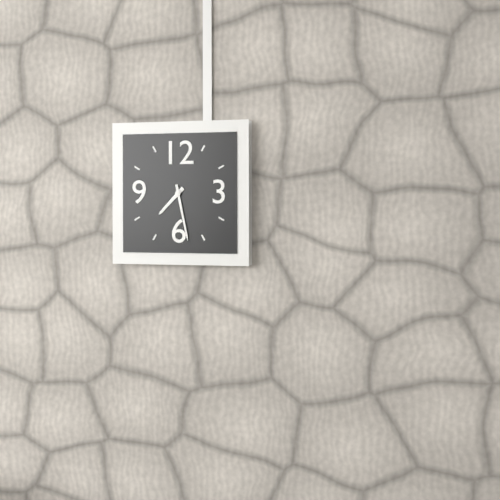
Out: 7,28
